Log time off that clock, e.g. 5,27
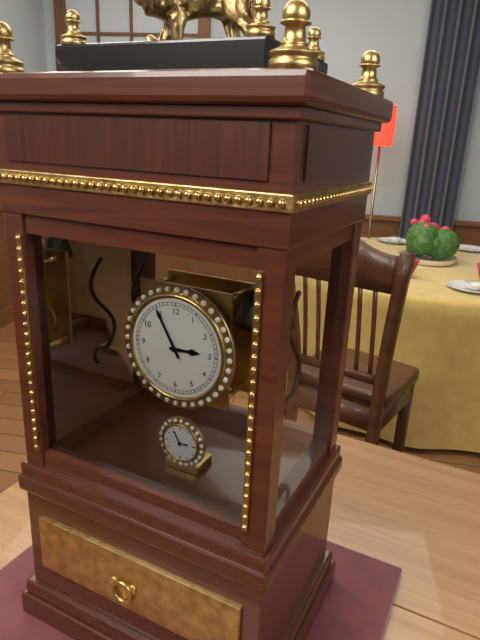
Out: 2,55
